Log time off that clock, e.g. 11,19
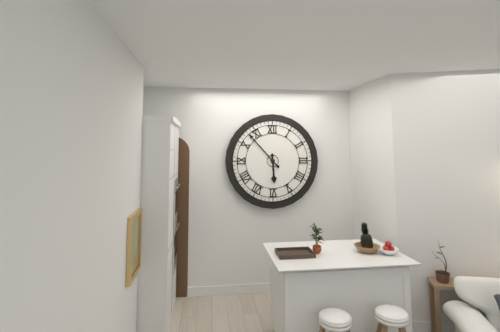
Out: 5,53
